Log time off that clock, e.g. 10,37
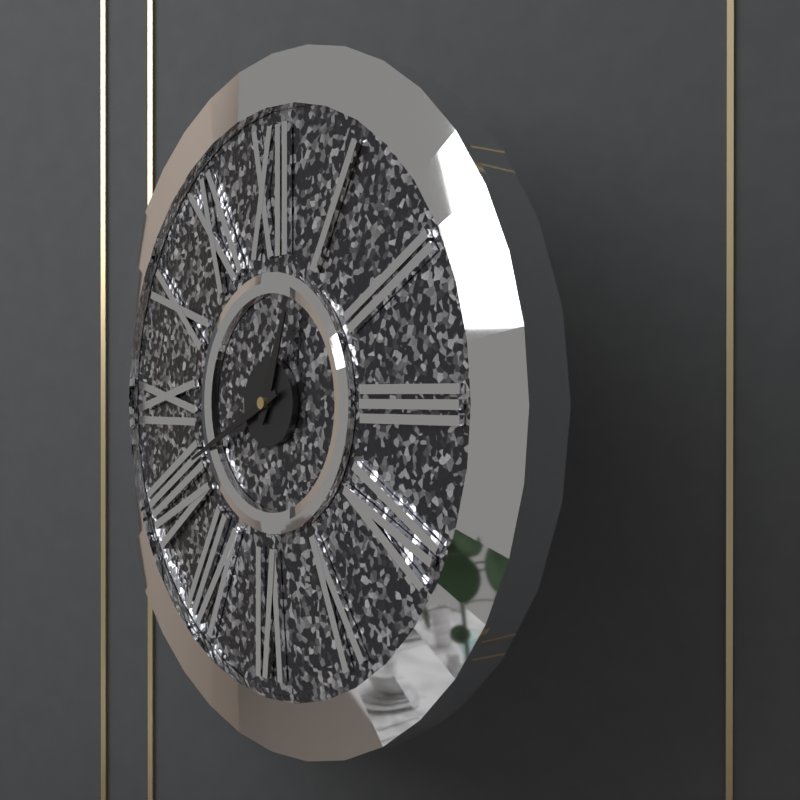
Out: 12,41
